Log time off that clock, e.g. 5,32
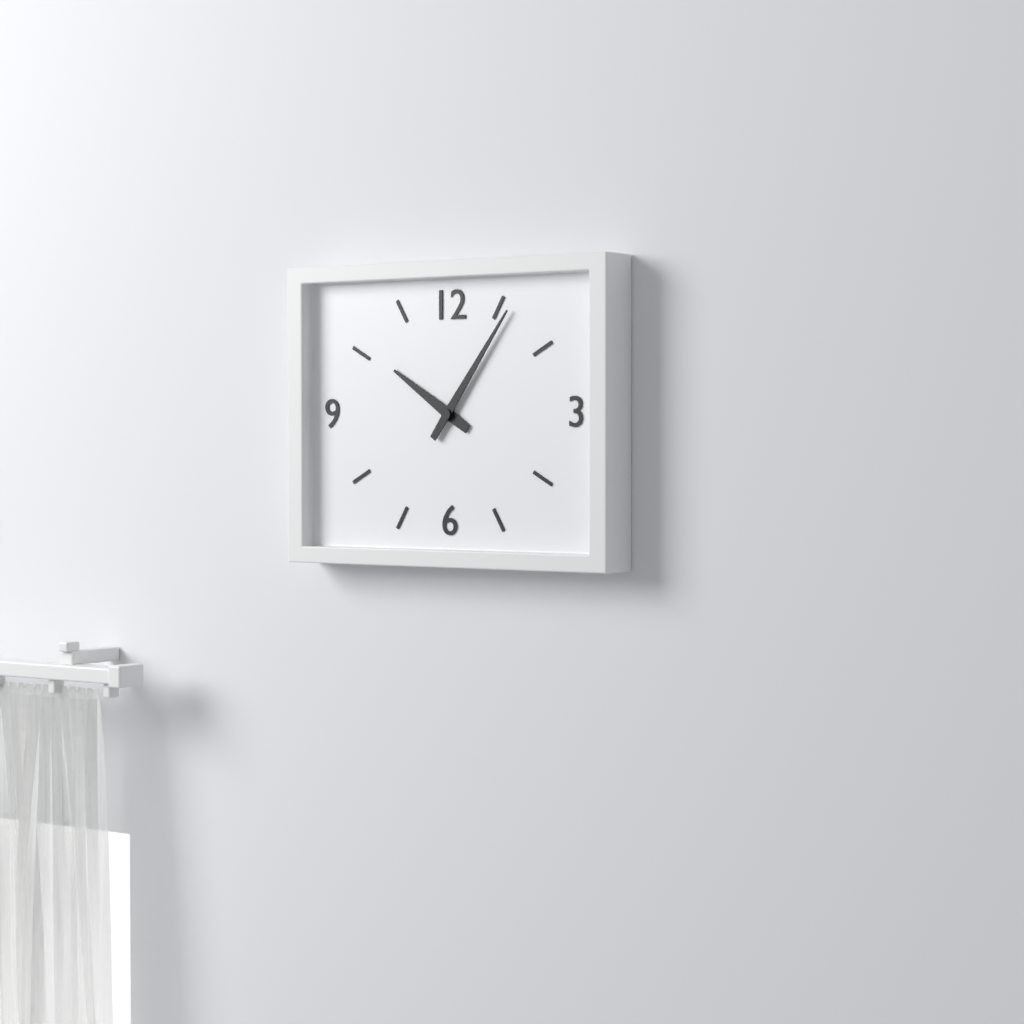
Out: 10,06
